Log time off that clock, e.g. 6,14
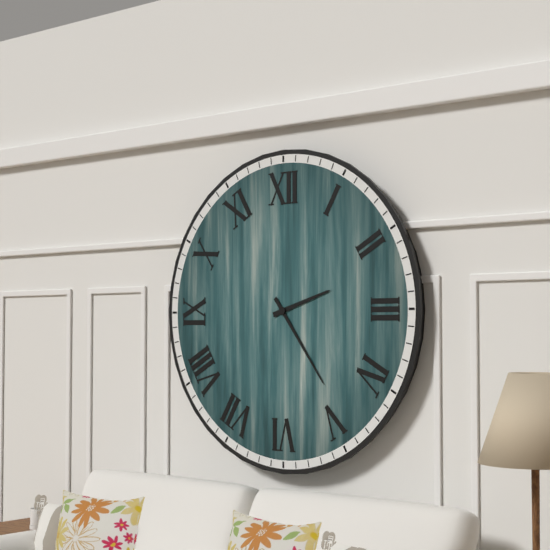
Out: 2,24
